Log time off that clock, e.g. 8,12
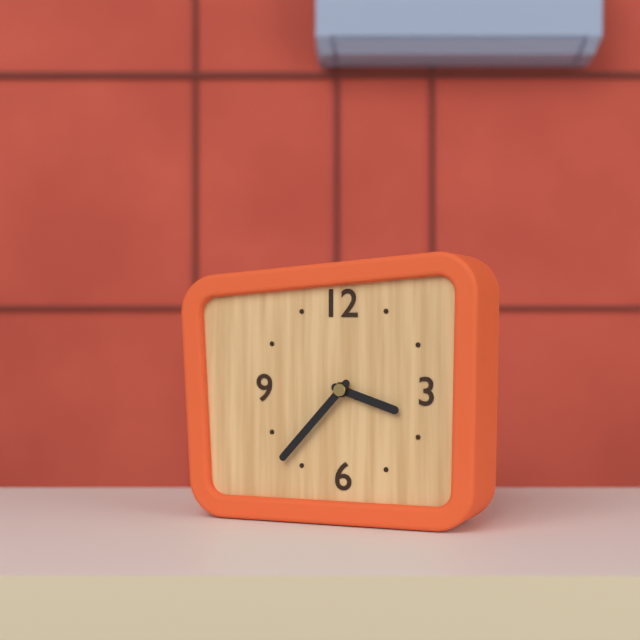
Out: 3,37
